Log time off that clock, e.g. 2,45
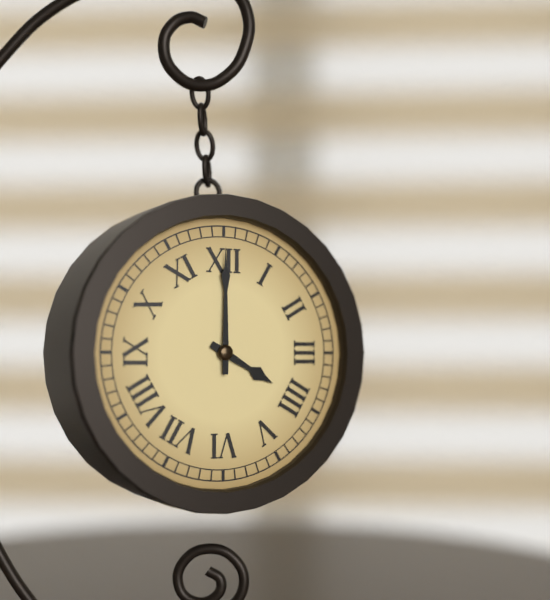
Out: 4,00
